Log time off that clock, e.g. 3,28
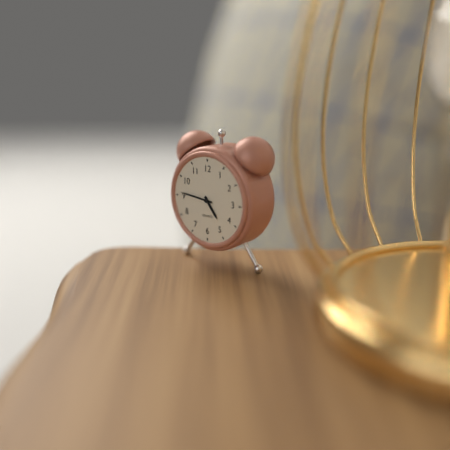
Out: 4,46
